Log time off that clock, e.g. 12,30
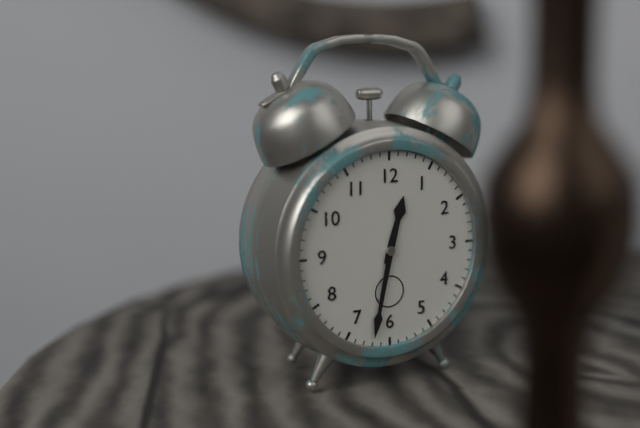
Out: 12,32
